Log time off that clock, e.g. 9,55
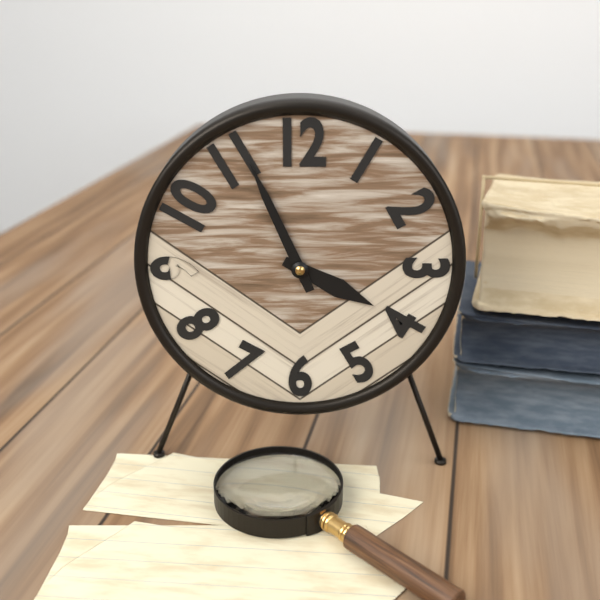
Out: 3,56
